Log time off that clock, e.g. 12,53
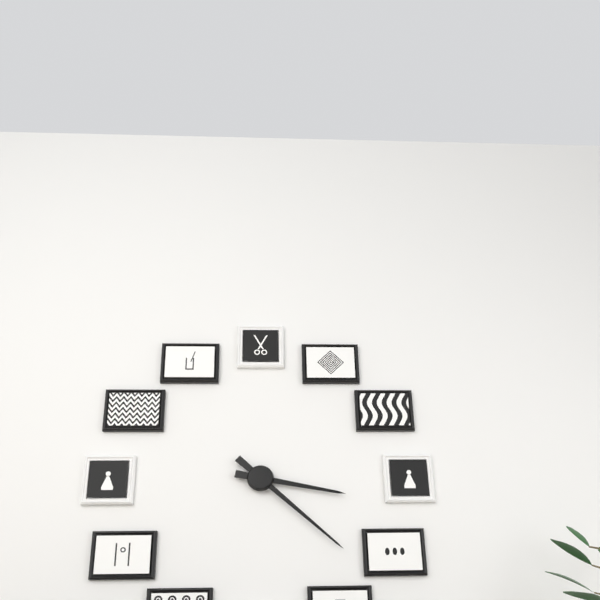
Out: 3,22
